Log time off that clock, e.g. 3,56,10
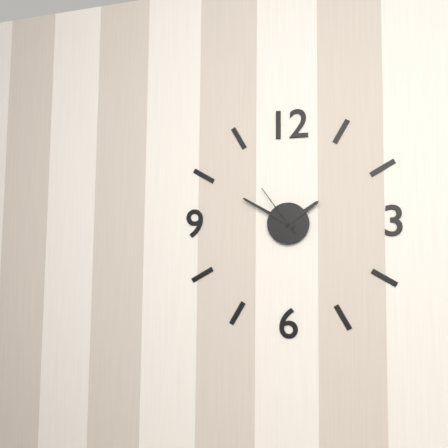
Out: 1,50,54
